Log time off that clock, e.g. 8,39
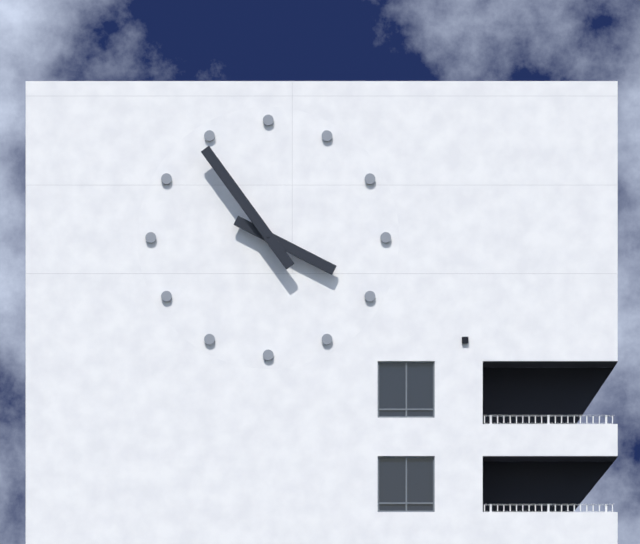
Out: 3,54
